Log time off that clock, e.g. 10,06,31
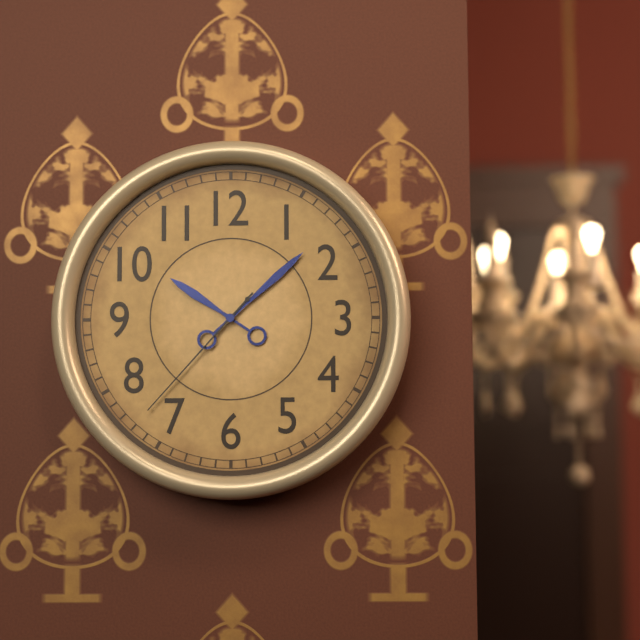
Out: 10,08,37
